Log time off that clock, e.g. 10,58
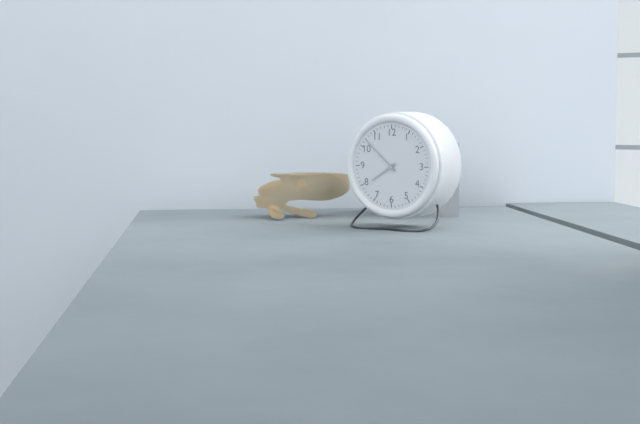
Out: 7,52
